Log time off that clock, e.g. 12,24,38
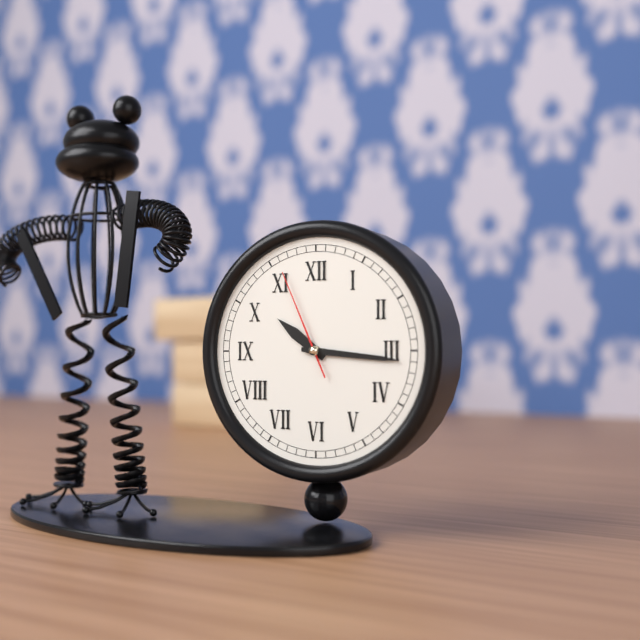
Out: 10,16,56
